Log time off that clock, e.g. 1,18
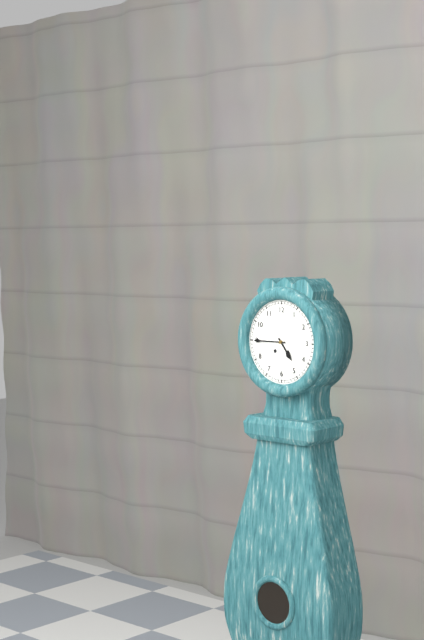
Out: 4,45
